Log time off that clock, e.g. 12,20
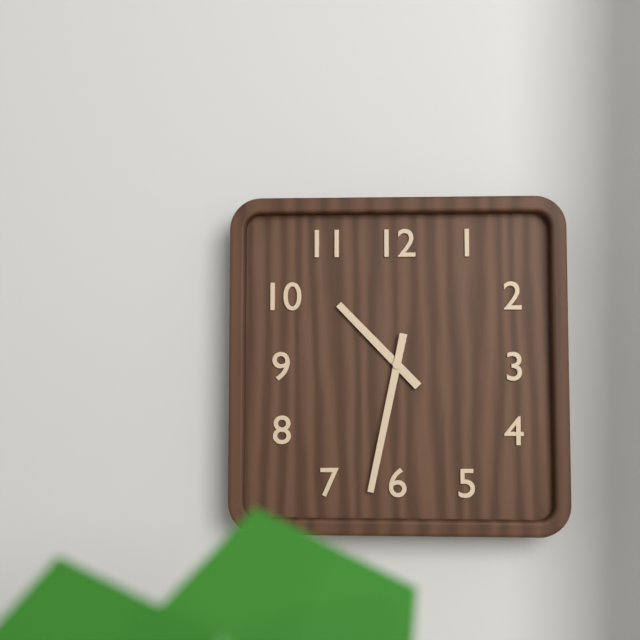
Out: 10,32
